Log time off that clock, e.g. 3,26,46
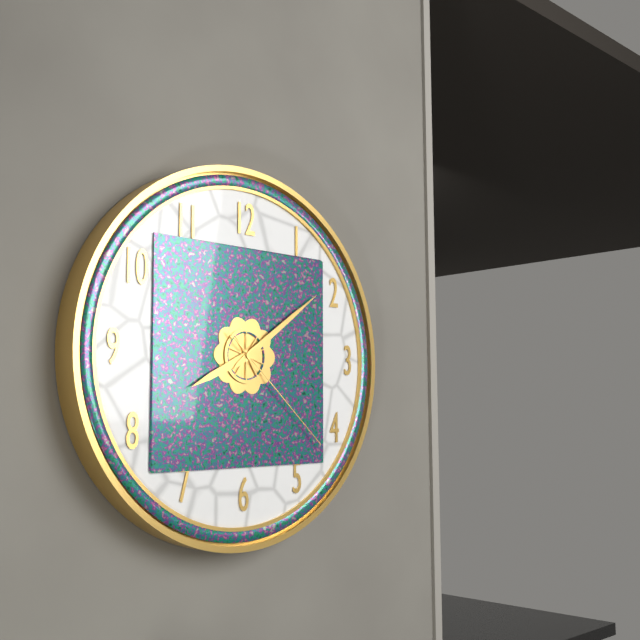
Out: 8,09,22
